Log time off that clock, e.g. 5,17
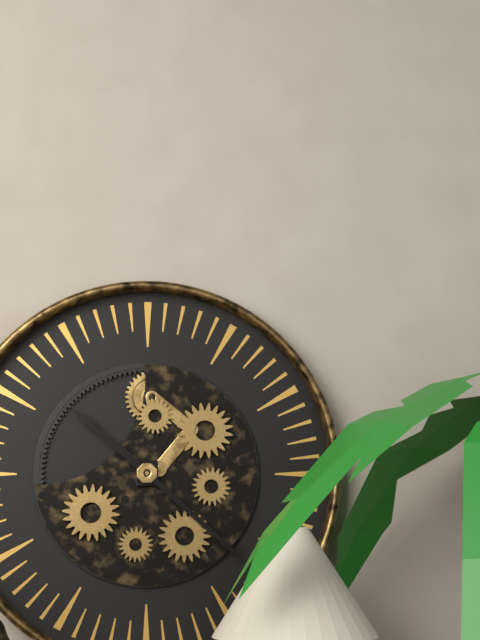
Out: 10,22
